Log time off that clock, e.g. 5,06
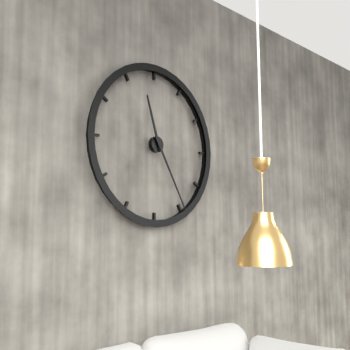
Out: 11,25
